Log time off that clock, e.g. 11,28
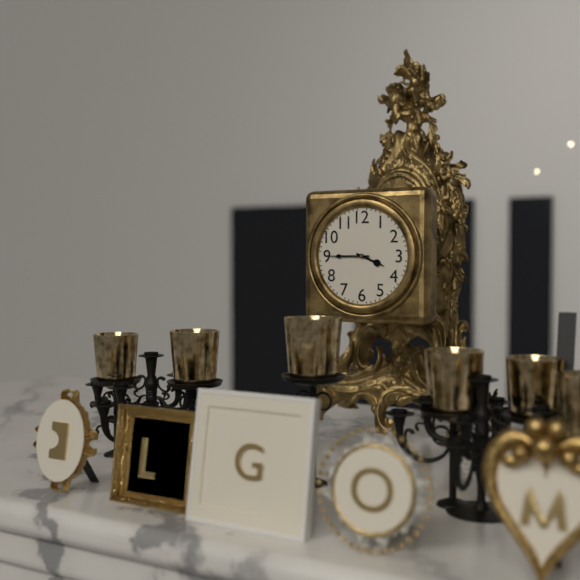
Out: 3,45
